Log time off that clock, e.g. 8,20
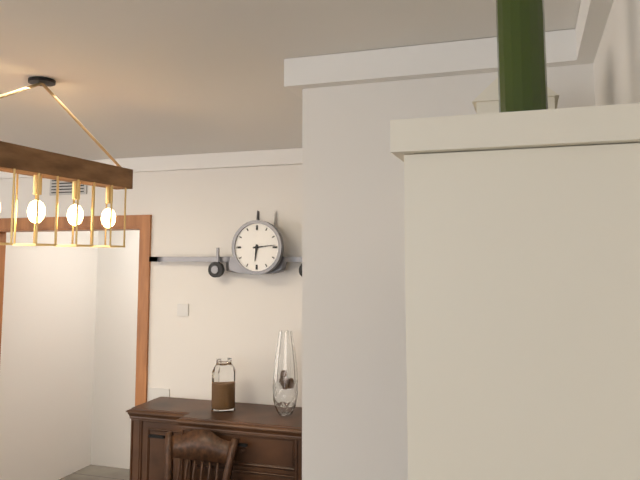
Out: 6,14
